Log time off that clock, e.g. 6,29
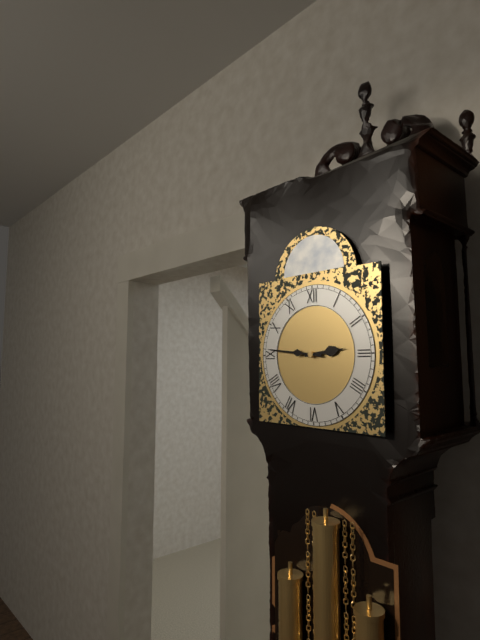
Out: 2,46
